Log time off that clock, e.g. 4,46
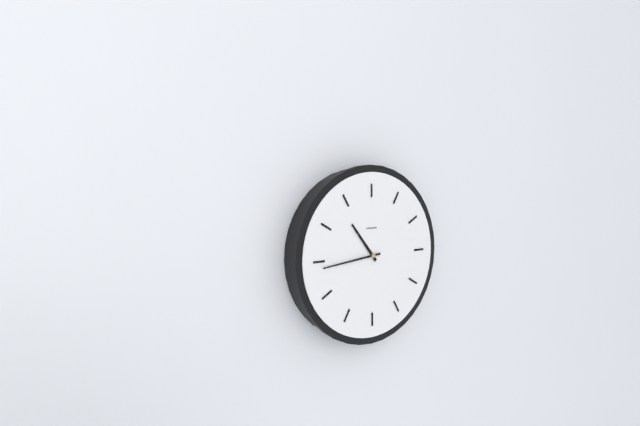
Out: 10,44
